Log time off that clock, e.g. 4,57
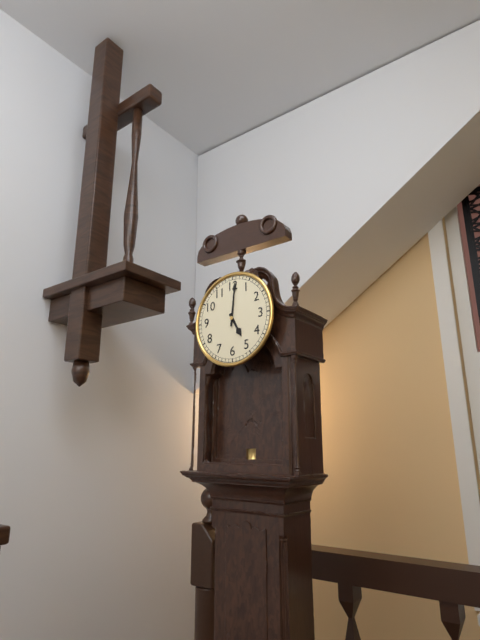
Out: 5,01
